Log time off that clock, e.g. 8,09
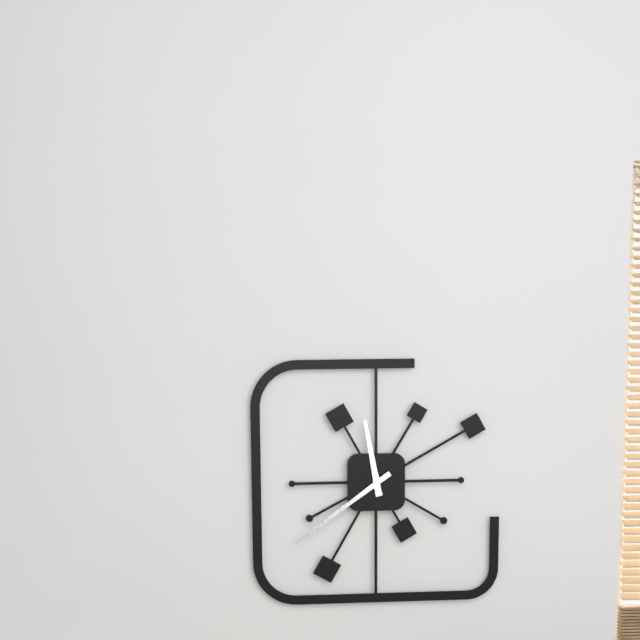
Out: 11,39
